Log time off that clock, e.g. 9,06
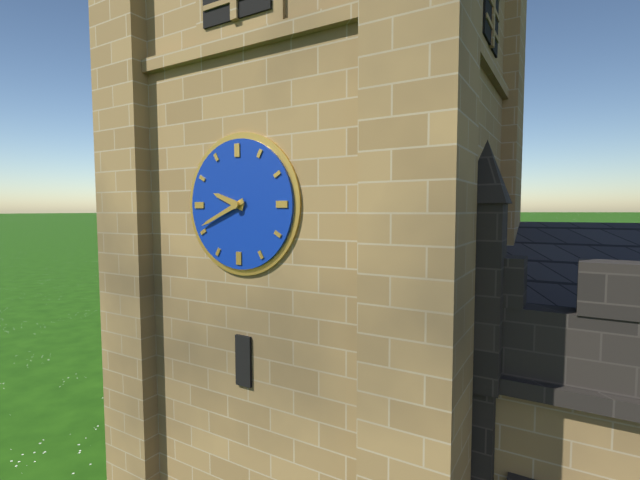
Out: 9,41
